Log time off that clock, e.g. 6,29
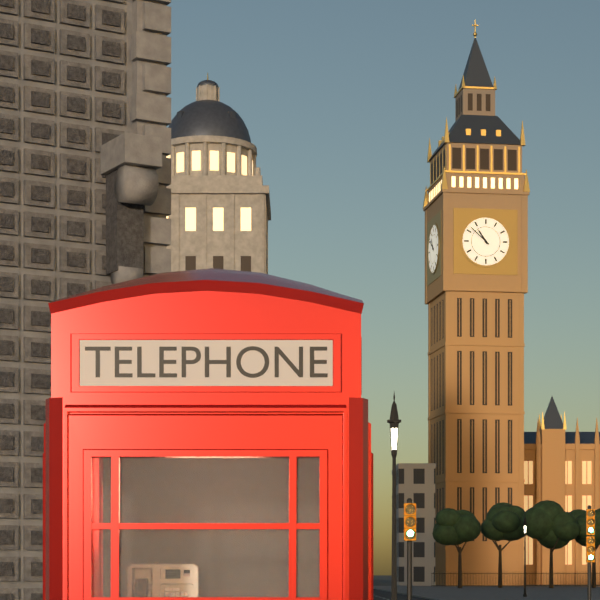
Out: 10,52
